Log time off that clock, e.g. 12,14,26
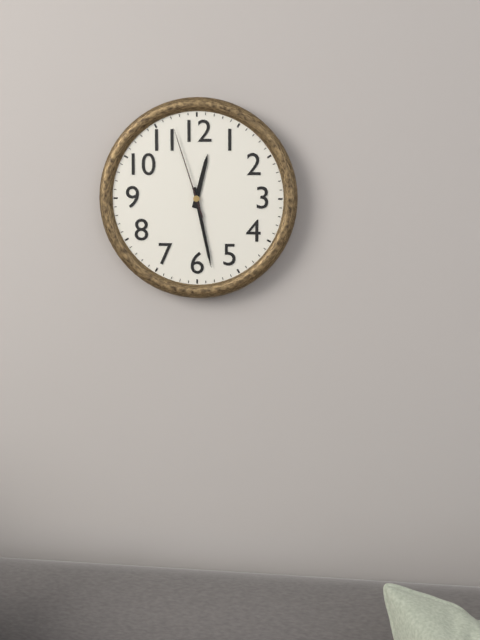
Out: 12,28,57
